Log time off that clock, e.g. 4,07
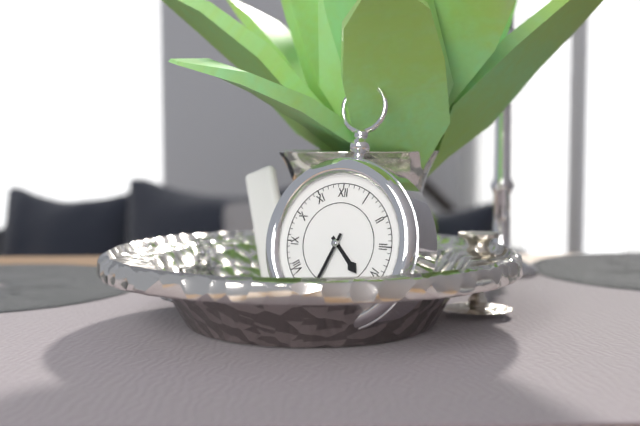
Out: 4,34
